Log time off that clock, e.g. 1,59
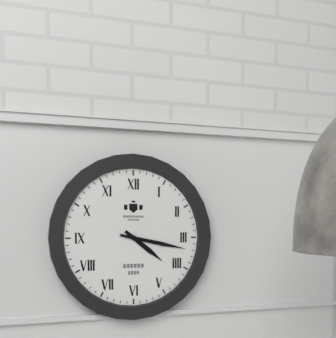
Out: 4,17
